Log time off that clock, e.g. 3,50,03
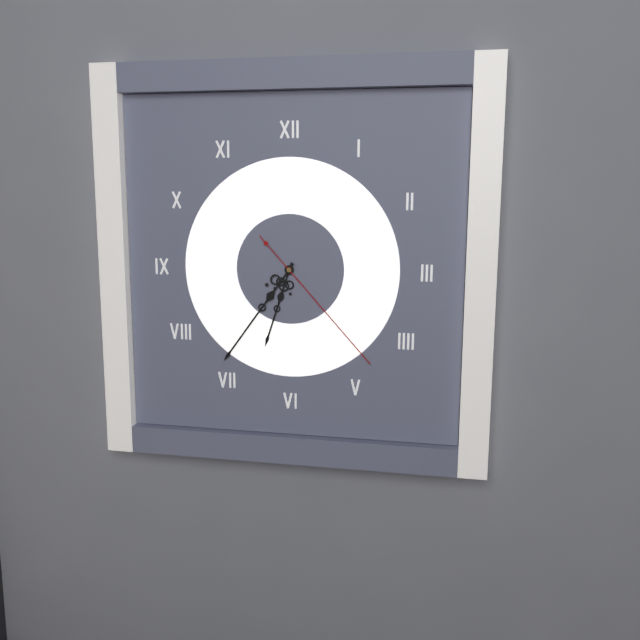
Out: 6,36,23
